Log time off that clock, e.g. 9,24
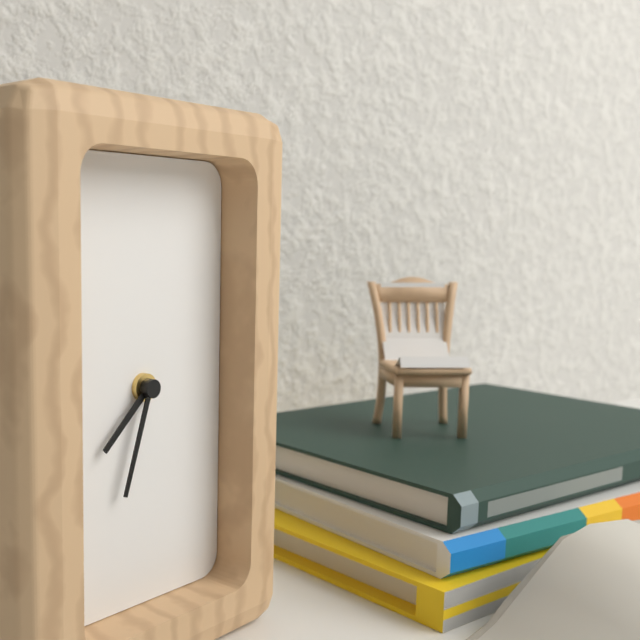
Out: 7,33
